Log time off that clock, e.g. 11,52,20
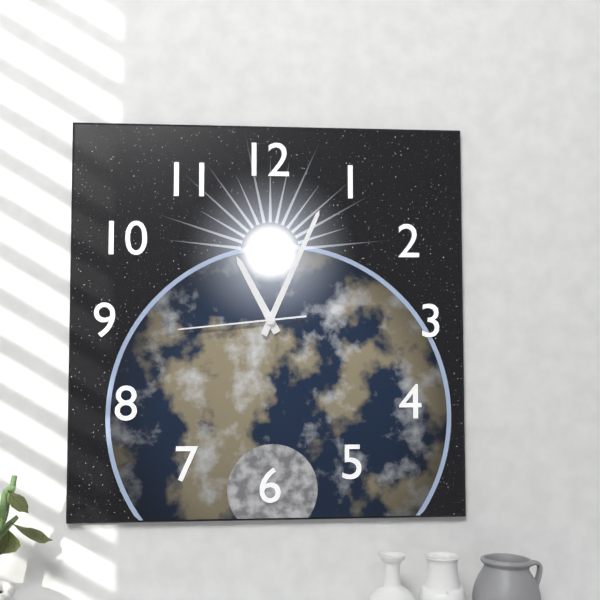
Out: 11,04,44
